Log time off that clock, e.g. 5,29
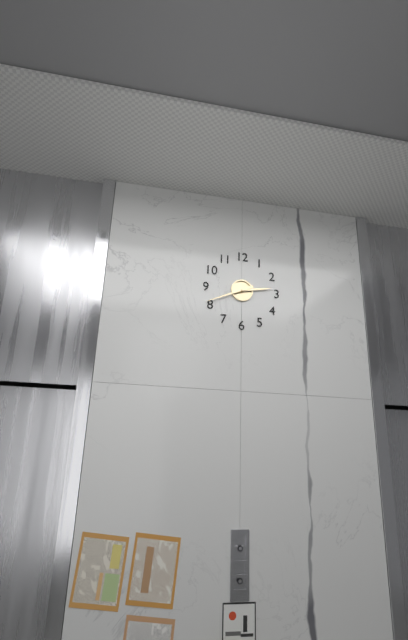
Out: 2,41
